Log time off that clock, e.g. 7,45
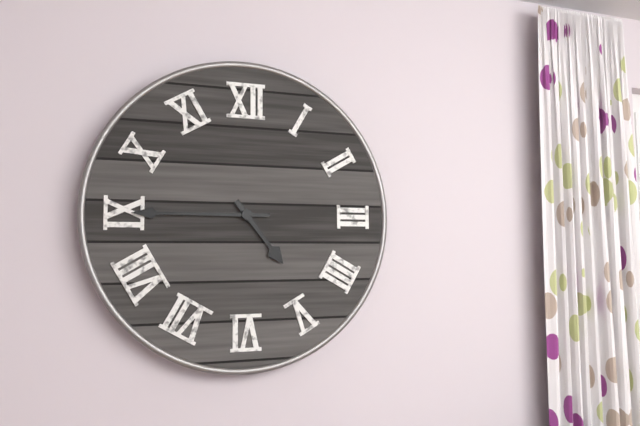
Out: 4,45
